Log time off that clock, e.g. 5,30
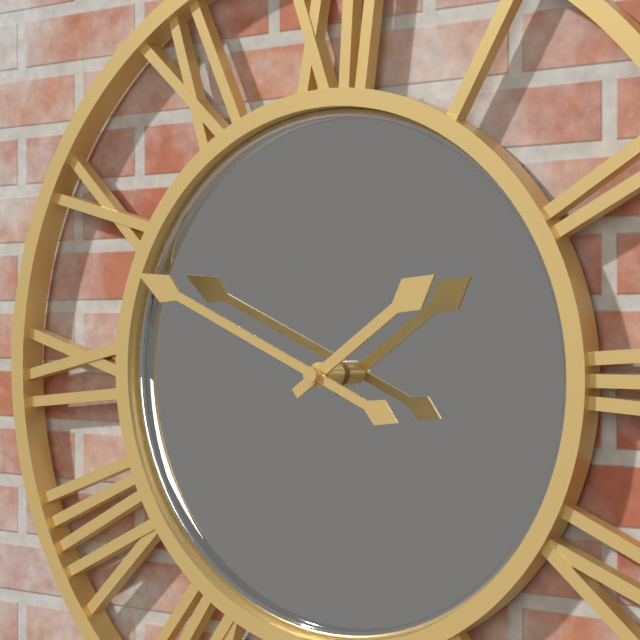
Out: 1,49
